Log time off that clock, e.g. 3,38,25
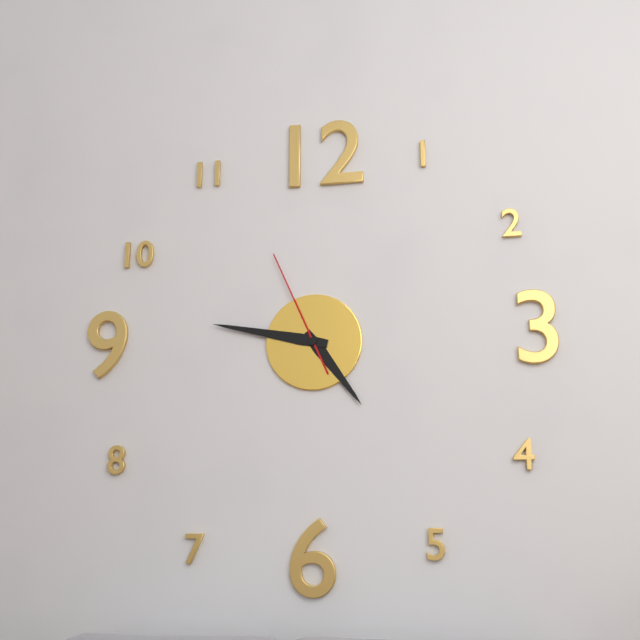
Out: 4,47,56
